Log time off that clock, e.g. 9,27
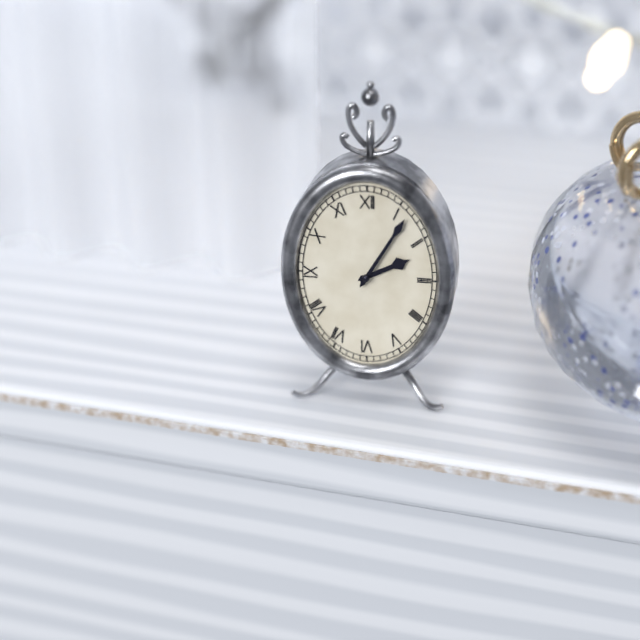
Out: 2,05
